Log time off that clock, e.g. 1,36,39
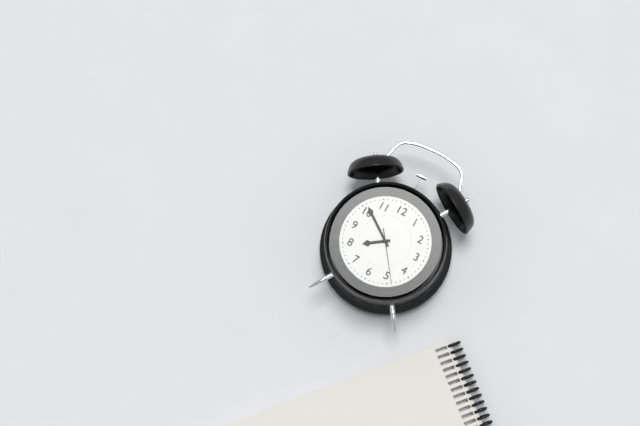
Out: 7,51,24
